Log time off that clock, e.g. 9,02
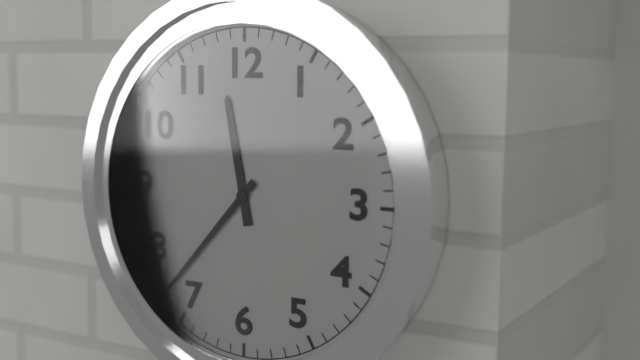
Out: 11,37
